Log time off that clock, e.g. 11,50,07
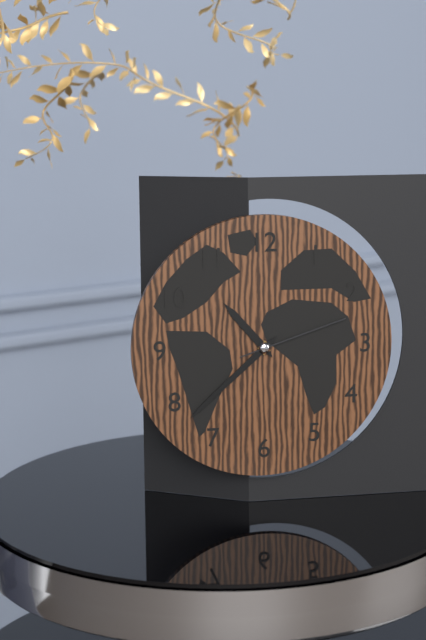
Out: 10,38,12
